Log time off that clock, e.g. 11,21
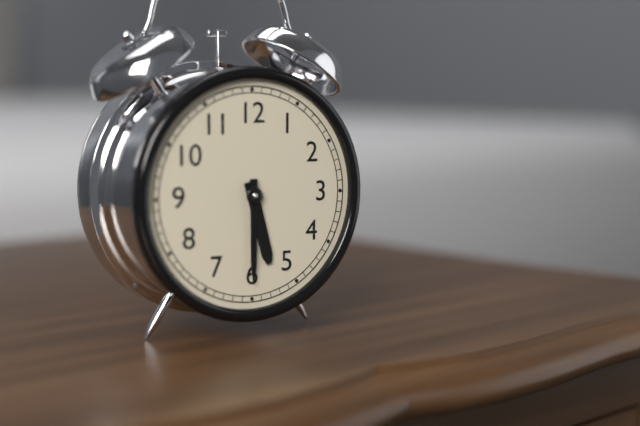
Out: 5,30
